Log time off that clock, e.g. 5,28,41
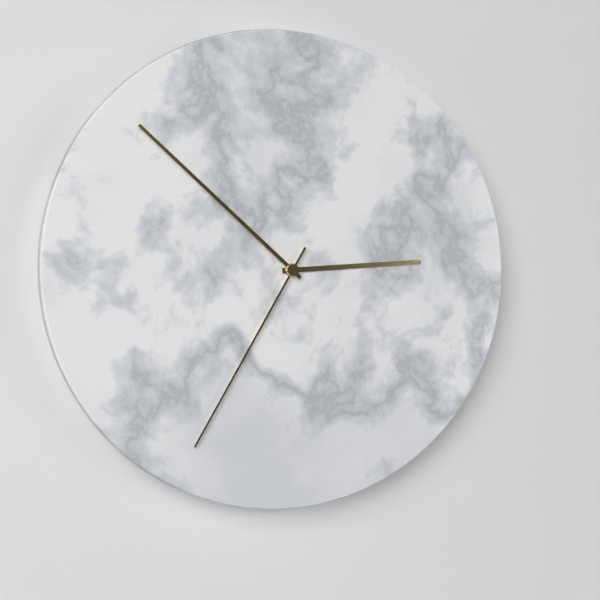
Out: 2,52,35
